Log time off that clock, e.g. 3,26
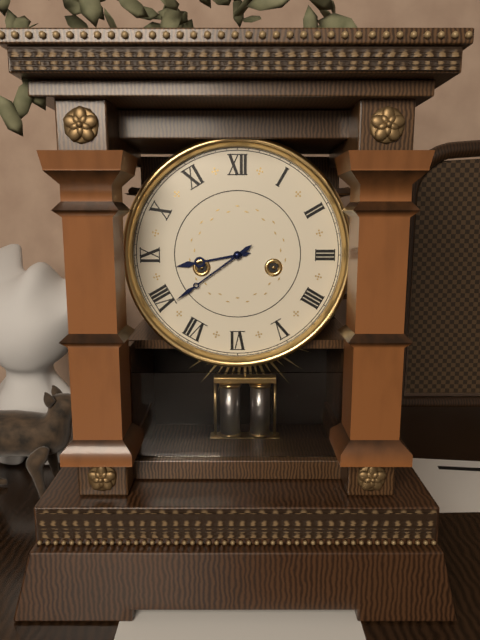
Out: 8,39
